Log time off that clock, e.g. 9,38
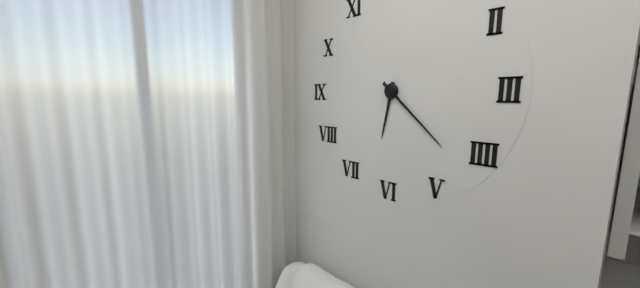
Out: 6,22
